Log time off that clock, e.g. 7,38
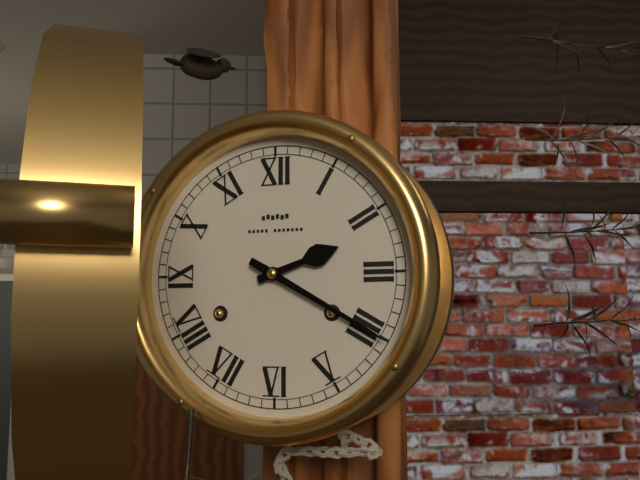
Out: 2,20
